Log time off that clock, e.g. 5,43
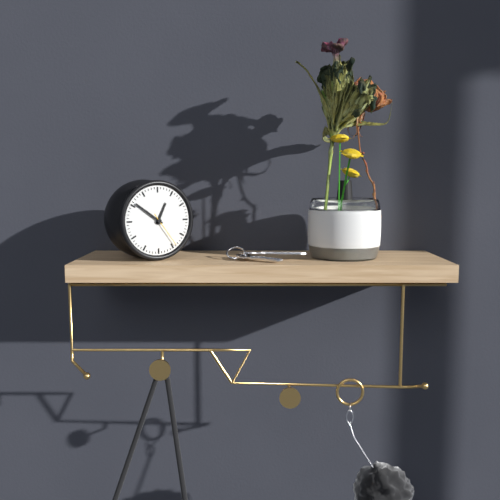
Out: 12,51
